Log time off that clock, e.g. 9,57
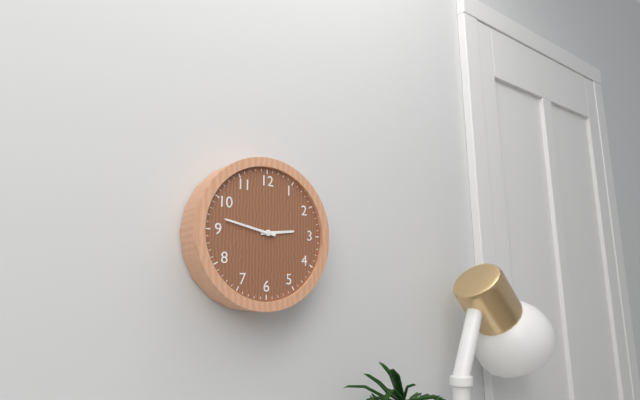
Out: 2,47
